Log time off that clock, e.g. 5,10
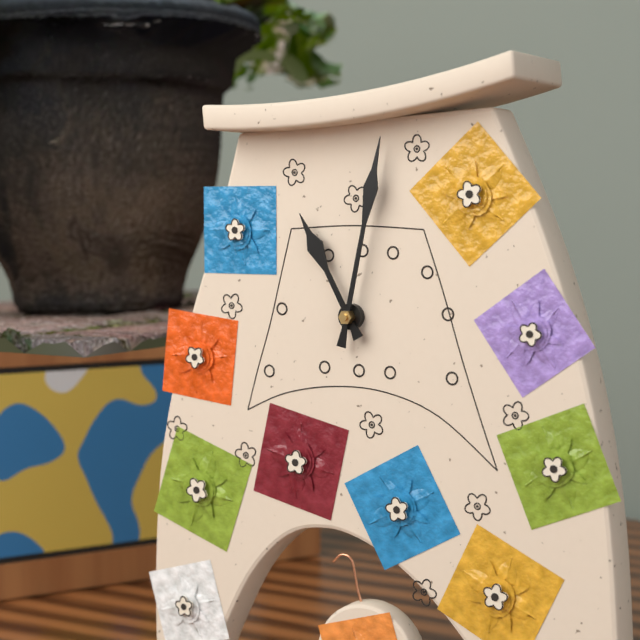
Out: 11,02
